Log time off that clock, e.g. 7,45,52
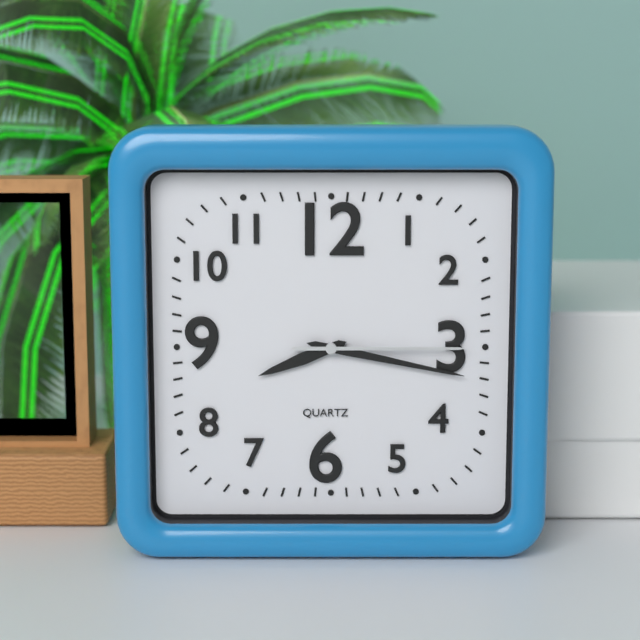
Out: 8,17,15
